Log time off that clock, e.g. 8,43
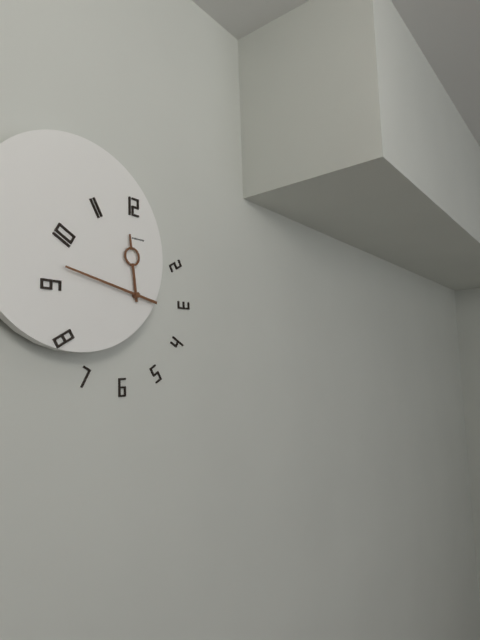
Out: 11,47
